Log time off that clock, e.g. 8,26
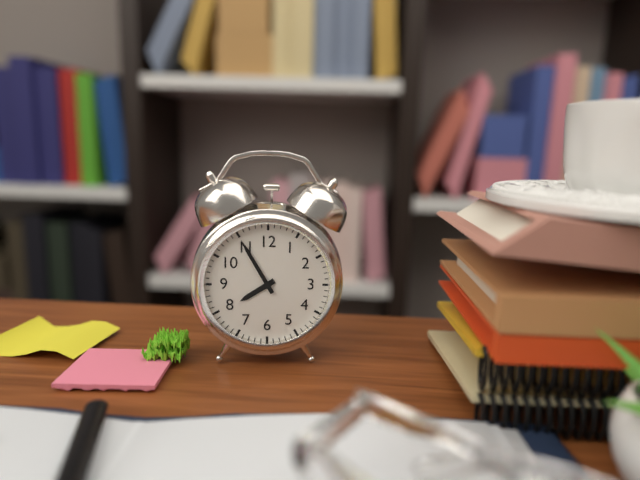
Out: 7,55
